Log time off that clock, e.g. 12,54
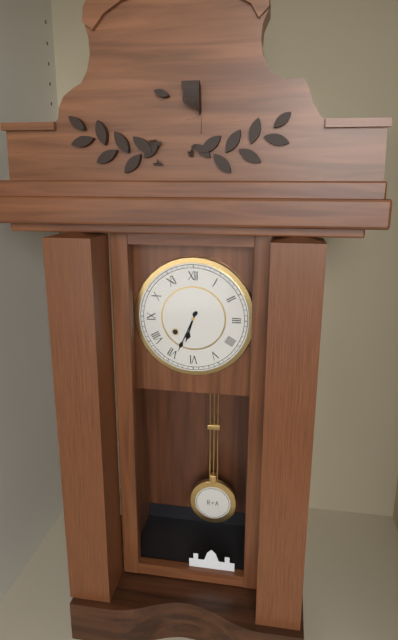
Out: 6,34
